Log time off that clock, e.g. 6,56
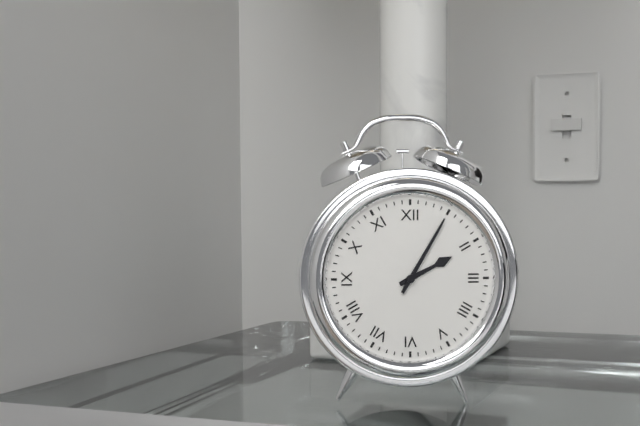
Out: 2,05
